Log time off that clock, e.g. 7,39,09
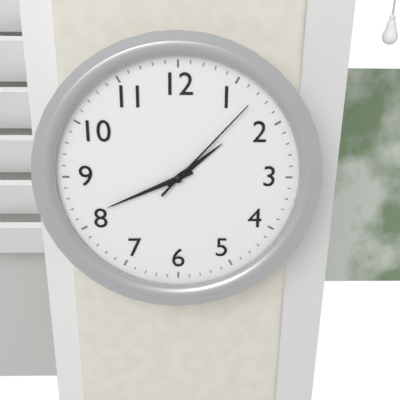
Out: 1,41,07
